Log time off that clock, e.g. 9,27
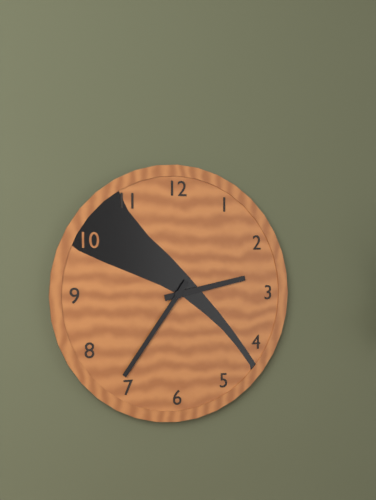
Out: 2,36
